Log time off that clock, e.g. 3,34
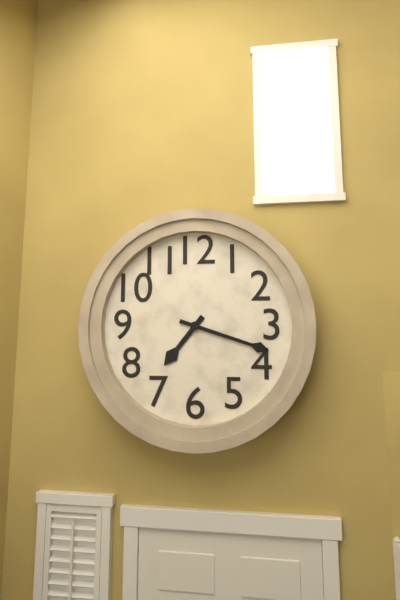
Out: 7,18
